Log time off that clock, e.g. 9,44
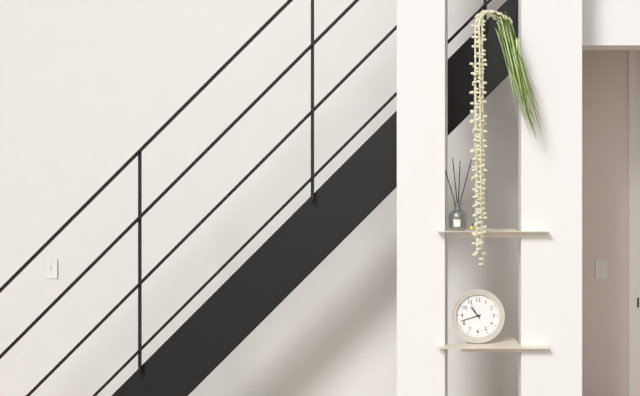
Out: 10,42
